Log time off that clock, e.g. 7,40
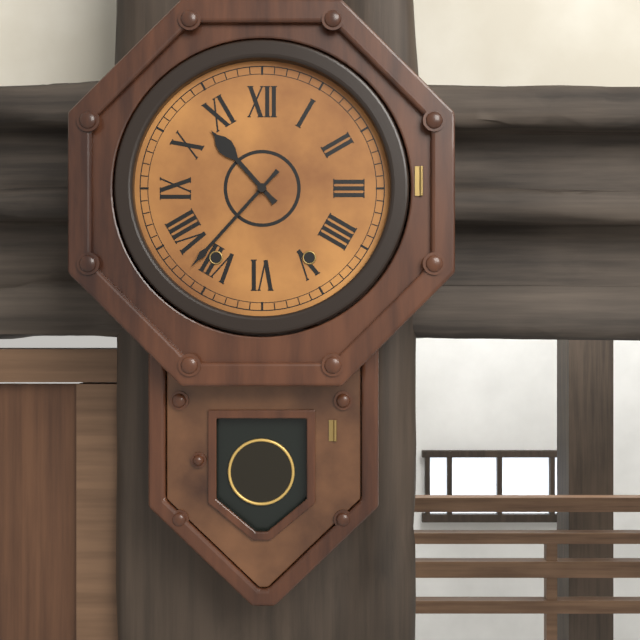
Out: 10,37
